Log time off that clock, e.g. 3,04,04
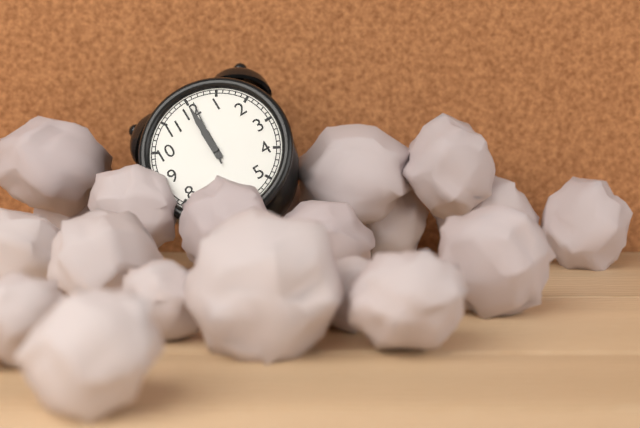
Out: 12,00,01
